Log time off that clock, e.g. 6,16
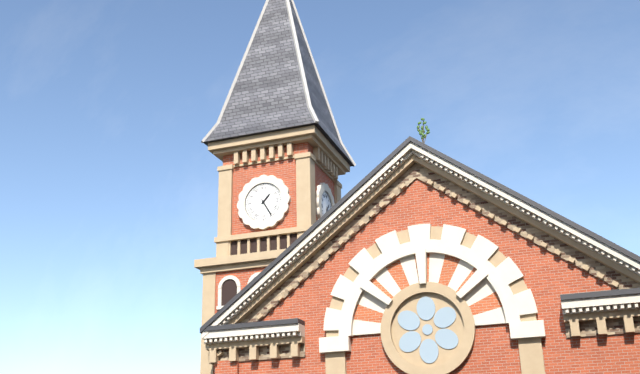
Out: 1,25
